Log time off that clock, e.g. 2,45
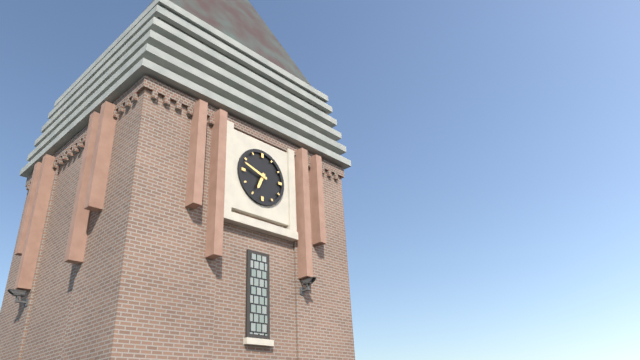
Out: 6,48
